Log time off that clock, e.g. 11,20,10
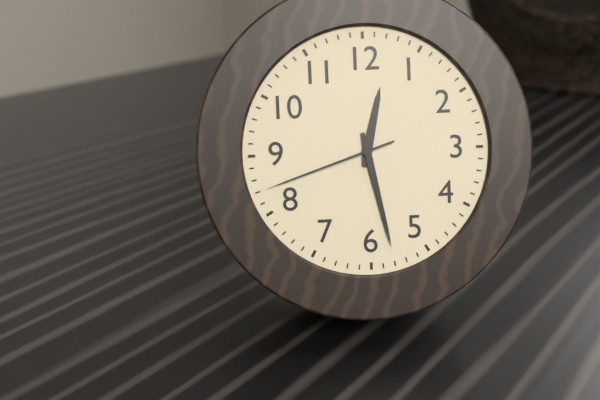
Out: 12,28,42
